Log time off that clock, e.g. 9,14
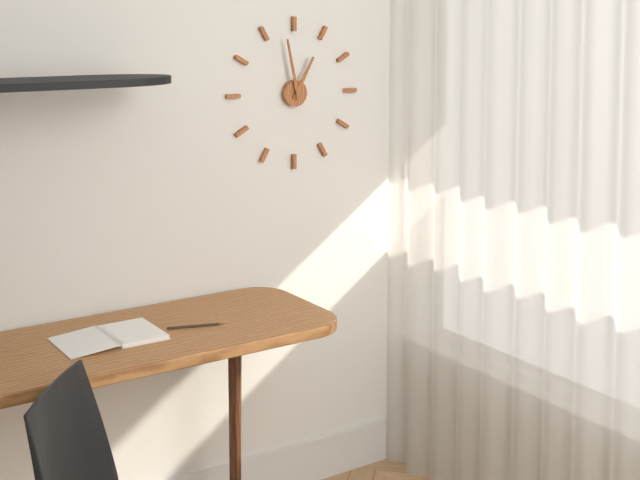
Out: 12,58
